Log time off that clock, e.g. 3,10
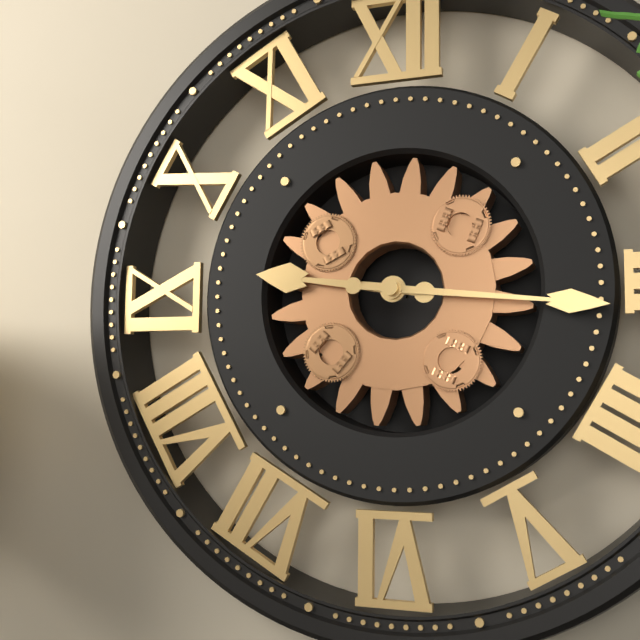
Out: 9,16
